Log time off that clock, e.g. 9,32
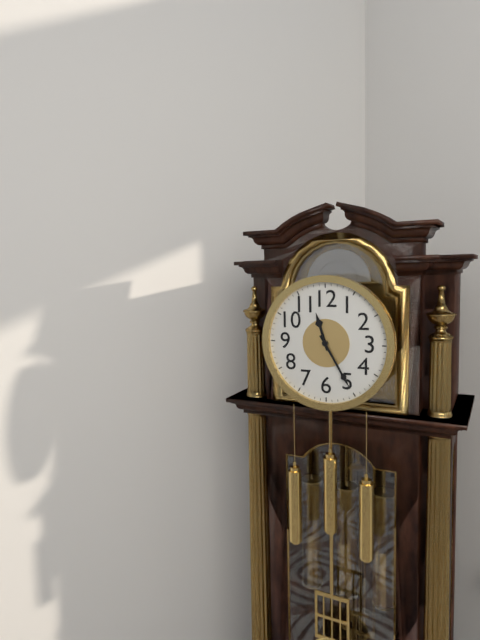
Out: 11,25
